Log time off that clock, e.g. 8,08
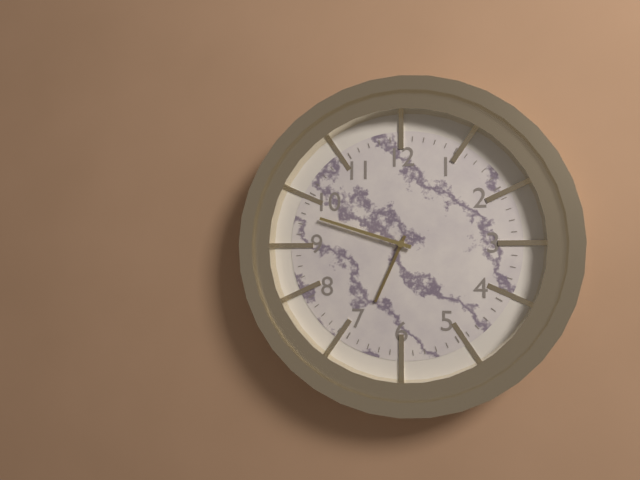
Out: 6,48
